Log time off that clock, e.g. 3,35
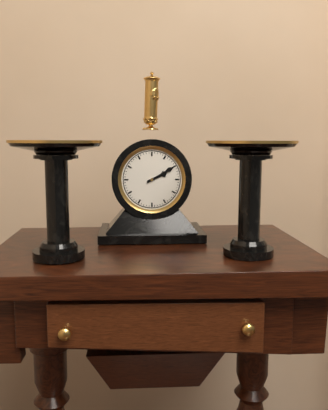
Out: 2,10
